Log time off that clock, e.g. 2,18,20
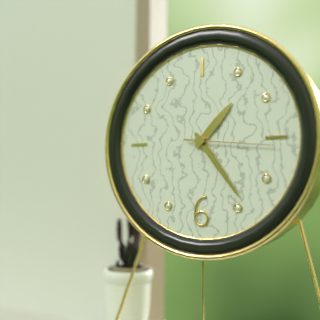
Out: 1,24,16
